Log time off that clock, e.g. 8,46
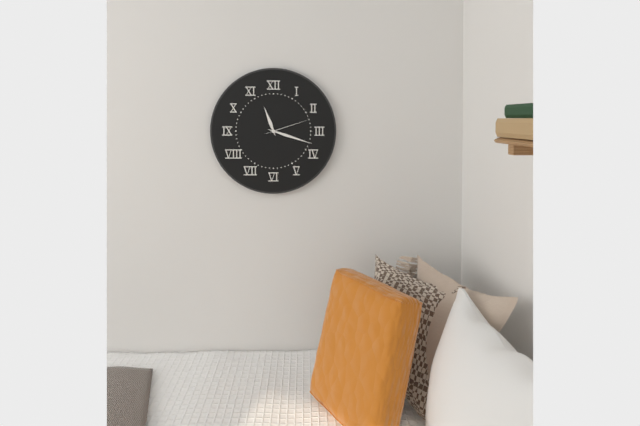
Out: 11,18
